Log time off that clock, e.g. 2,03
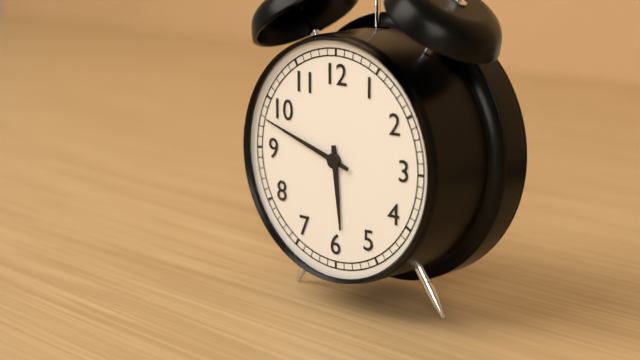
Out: 5,48
